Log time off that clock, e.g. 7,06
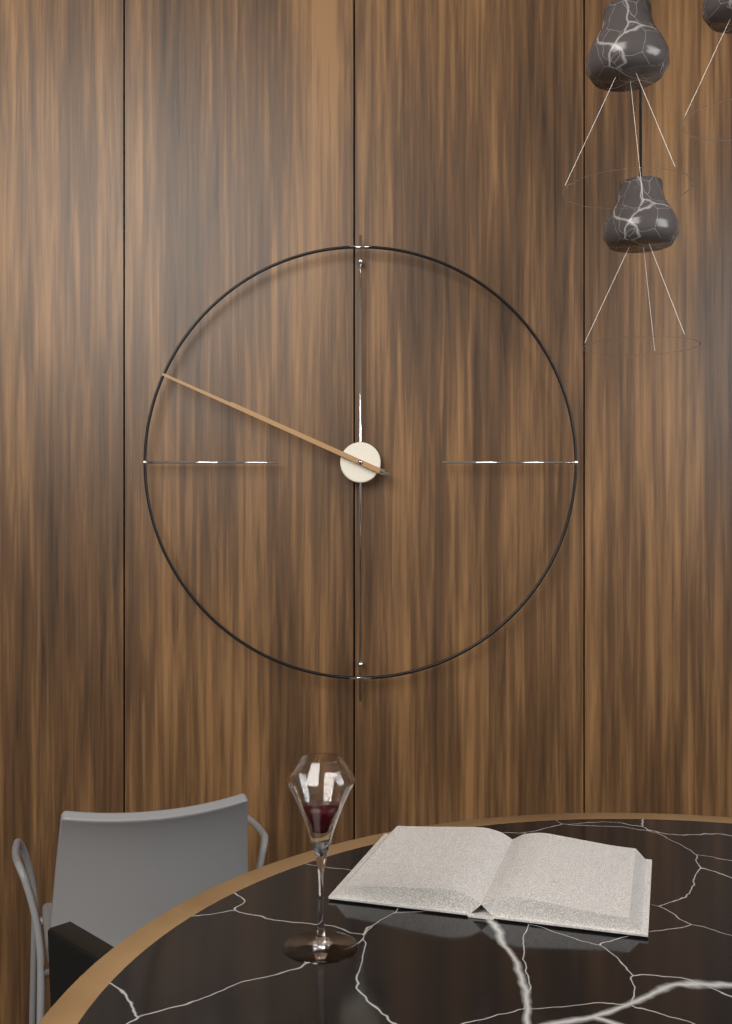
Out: 9,49
